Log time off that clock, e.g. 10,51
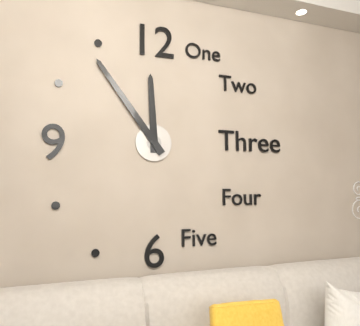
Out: 11,54
